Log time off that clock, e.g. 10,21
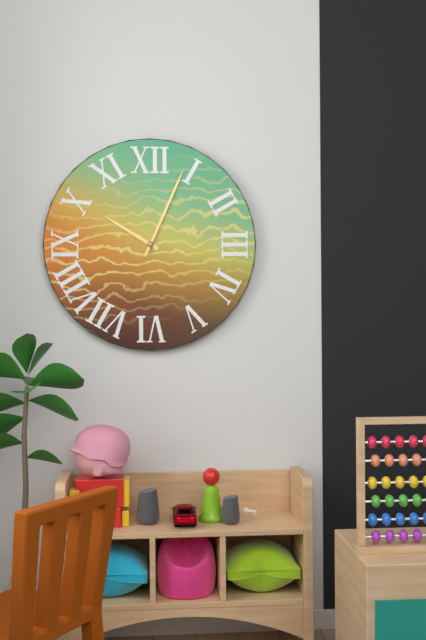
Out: 10,04
